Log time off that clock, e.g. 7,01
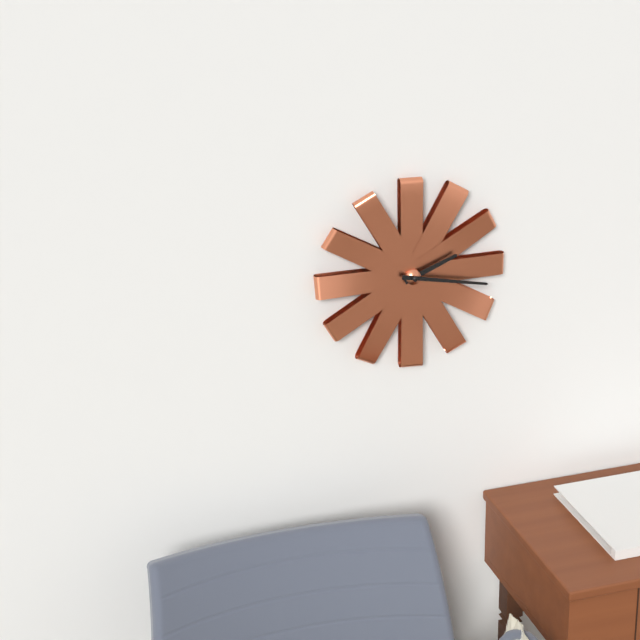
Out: 2,17
